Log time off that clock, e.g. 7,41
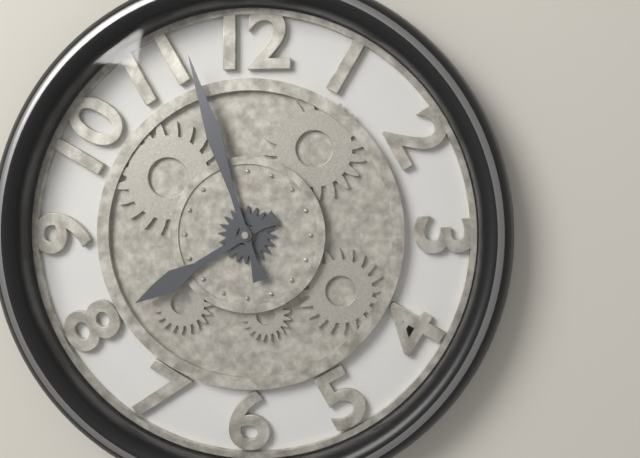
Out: 7,57
